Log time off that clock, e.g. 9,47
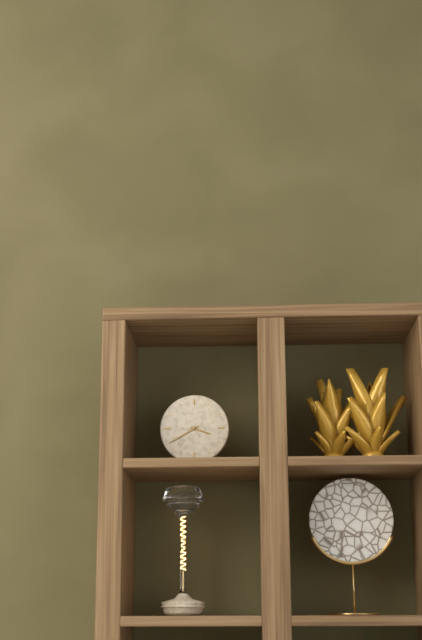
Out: 3,40
